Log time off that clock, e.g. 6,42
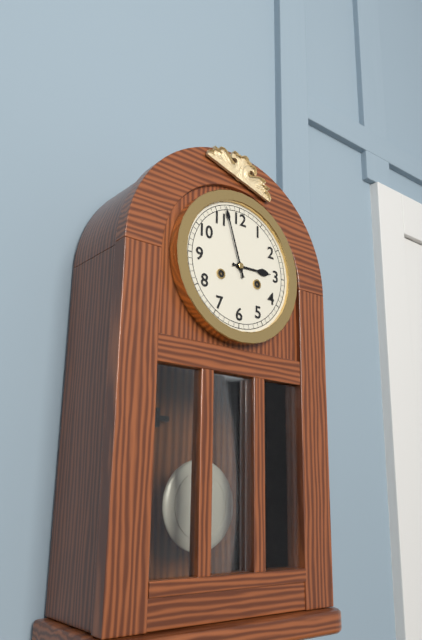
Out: 2,57
